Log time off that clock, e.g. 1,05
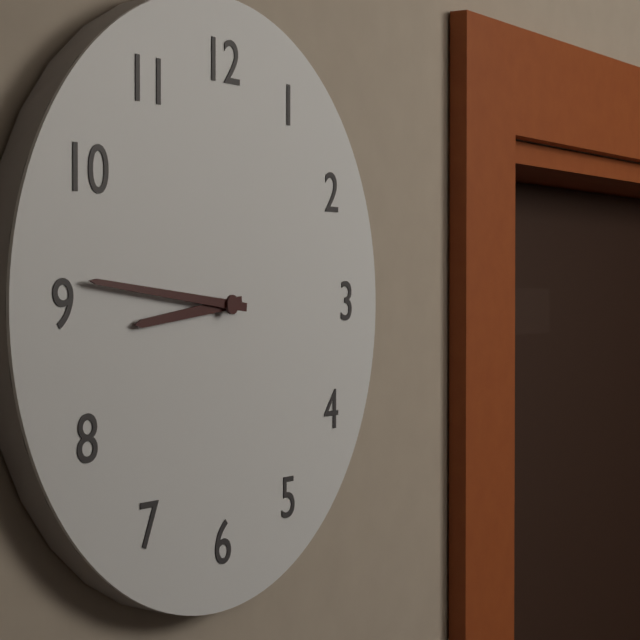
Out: 8,46
